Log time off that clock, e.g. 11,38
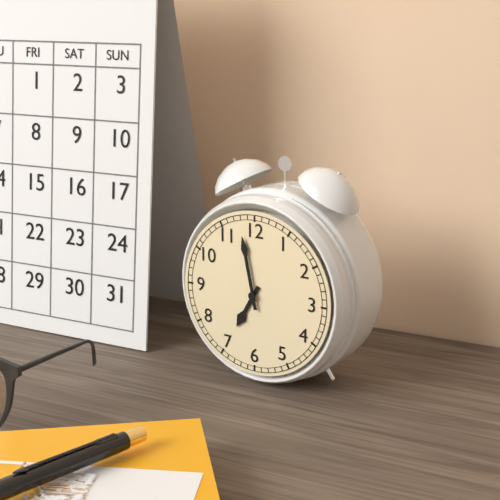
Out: 6,58
